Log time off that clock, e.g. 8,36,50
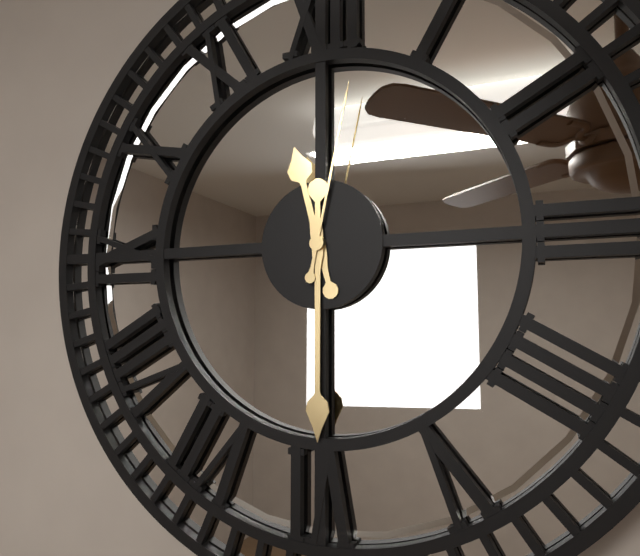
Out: 11,30,02
